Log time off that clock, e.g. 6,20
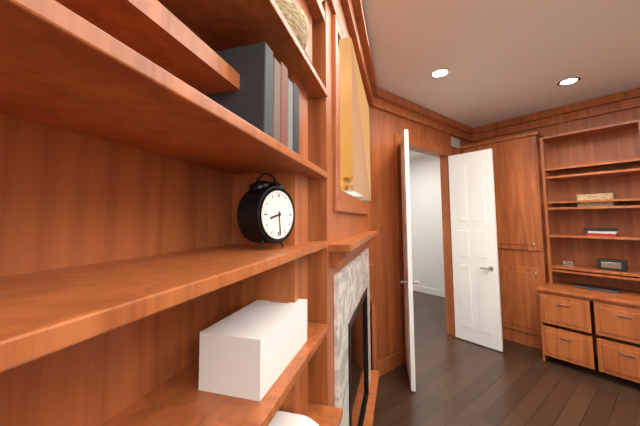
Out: 8,29
